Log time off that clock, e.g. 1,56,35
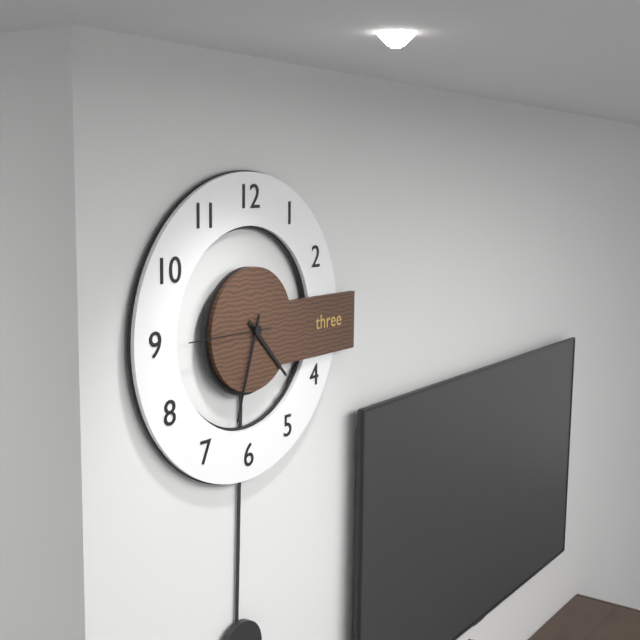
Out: 4,33,45
